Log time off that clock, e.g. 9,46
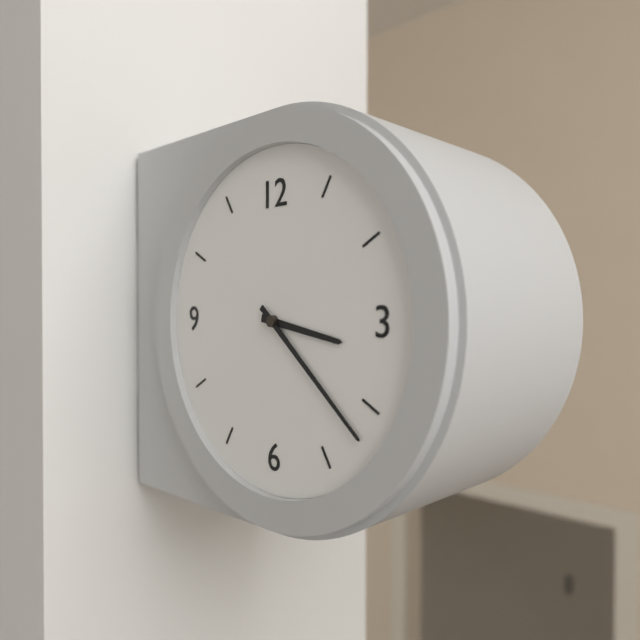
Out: 3,22
